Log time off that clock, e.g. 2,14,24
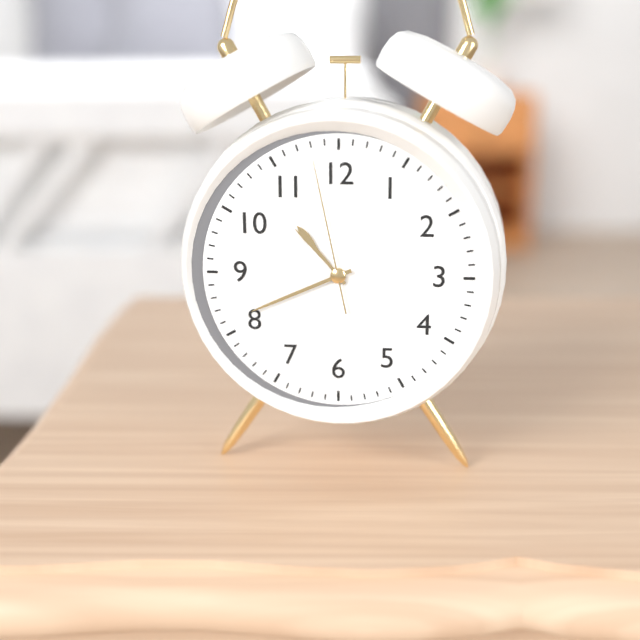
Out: 10,41,58
